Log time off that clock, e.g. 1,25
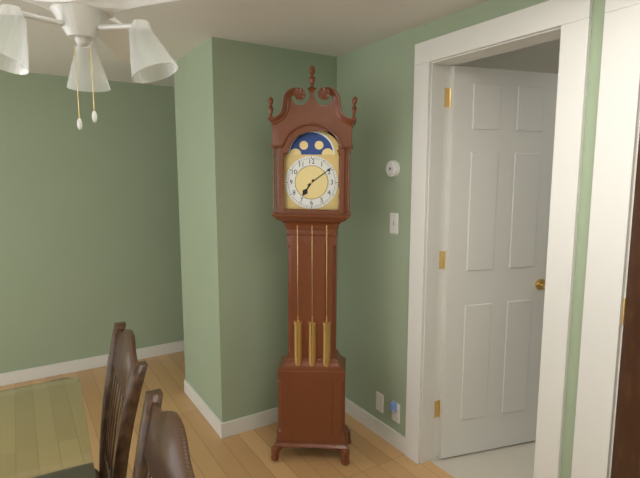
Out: 7,09
